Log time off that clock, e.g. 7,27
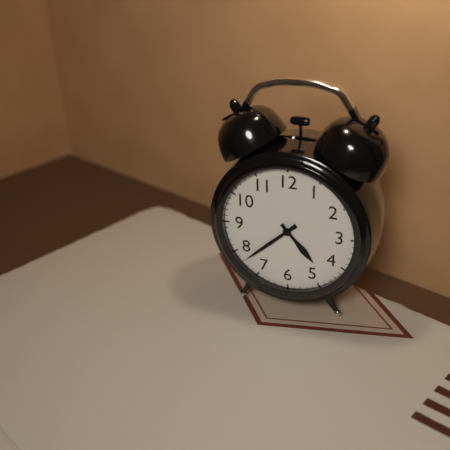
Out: 4,38
